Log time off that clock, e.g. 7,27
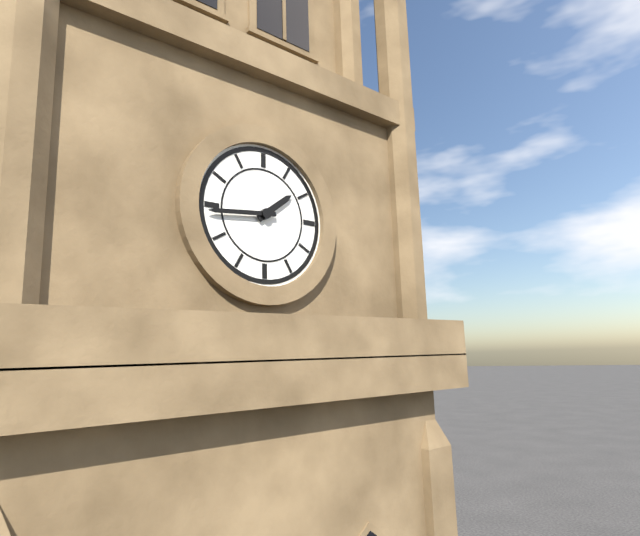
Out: 1,44
